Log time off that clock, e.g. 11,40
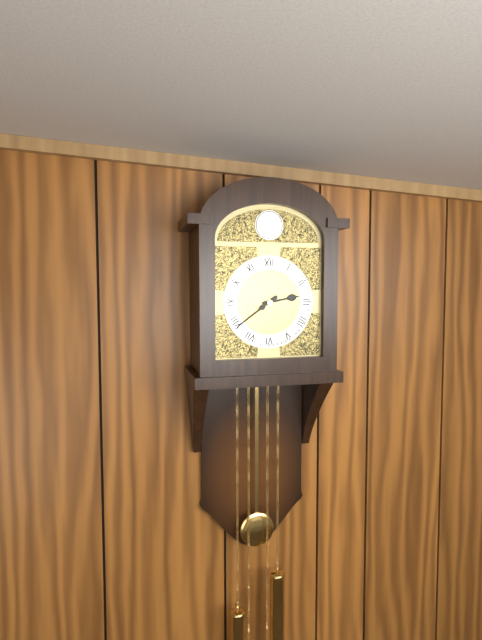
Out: 2,39
